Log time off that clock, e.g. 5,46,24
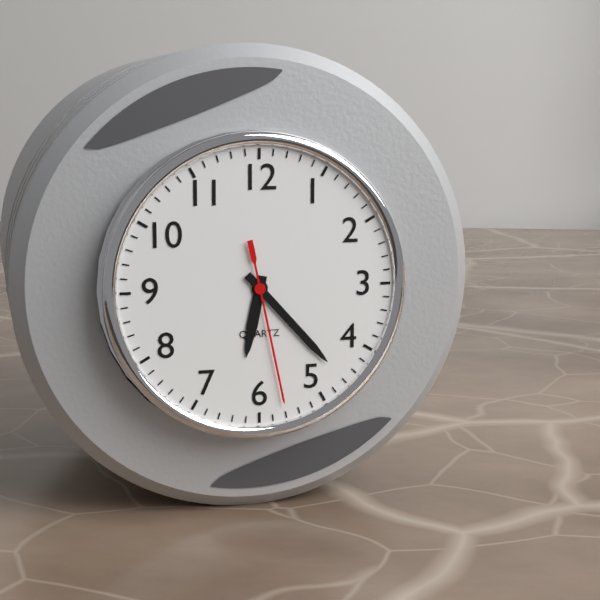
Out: 6,23,28
